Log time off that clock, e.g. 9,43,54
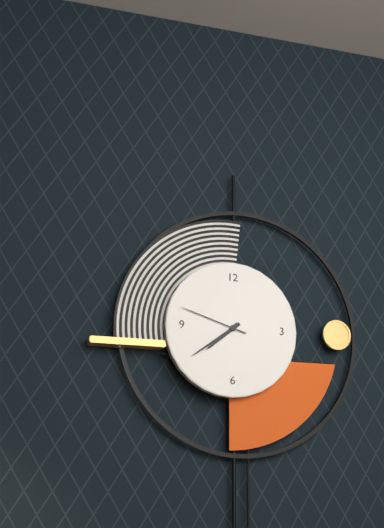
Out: 7,39,48
